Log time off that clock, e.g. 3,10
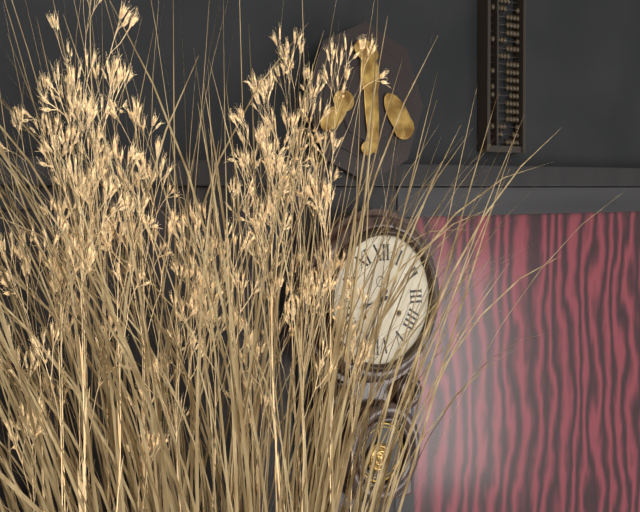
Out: 8,35
